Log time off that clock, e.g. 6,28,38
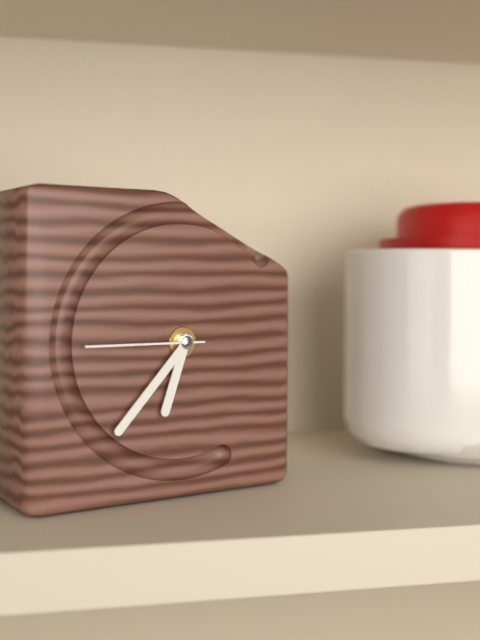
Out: 6,37,45
